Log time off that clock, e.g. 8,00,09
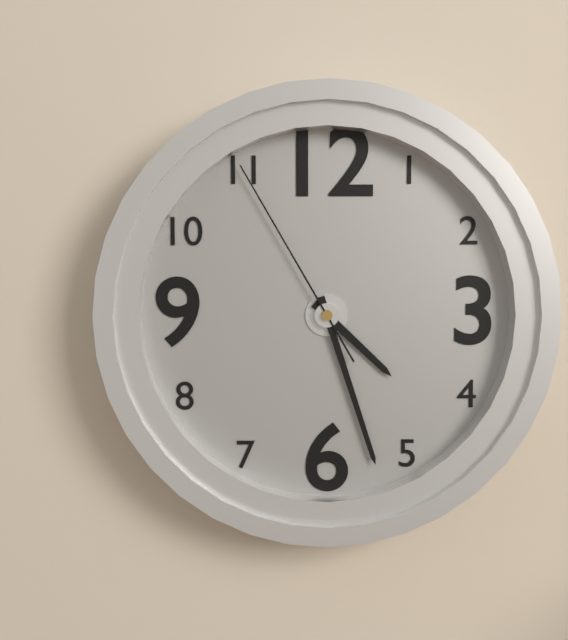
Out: 4,27,55
